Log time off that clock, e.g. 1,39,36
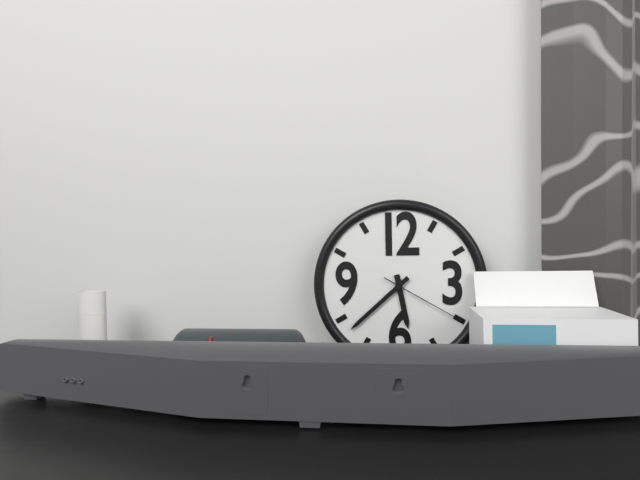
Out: 5,38,20
